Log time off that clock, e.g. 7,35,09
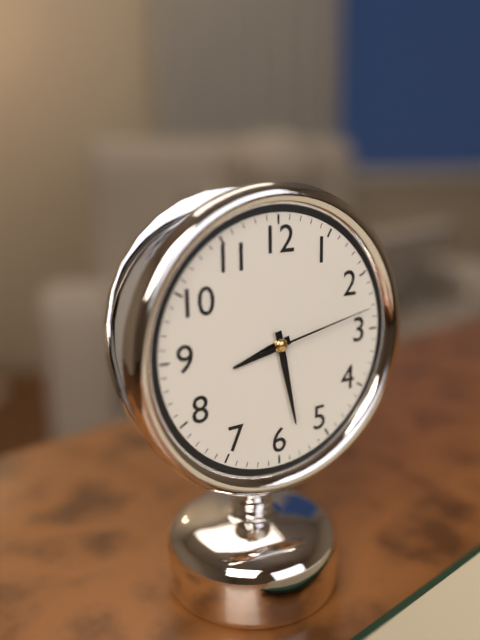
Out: 8,28,13
